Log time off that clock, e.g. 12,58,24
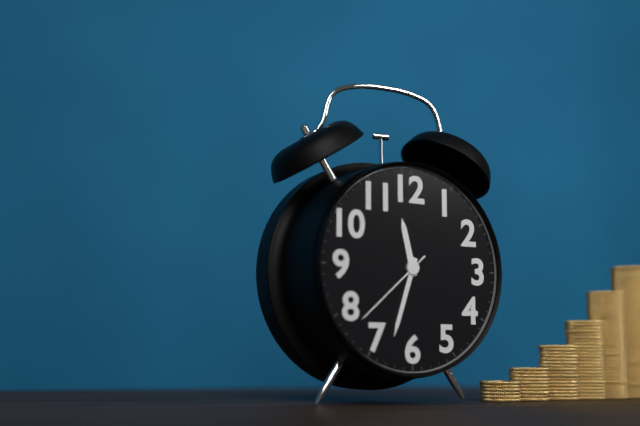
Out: 11,33,38
